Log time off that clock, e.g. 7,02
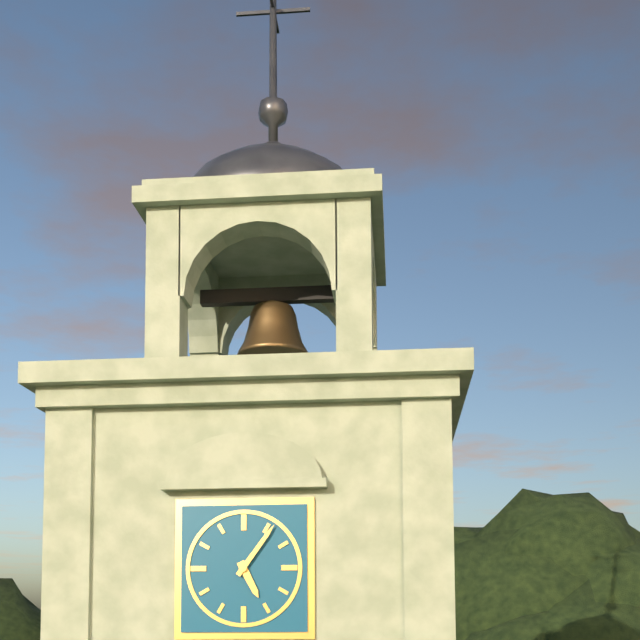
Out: 5,06
